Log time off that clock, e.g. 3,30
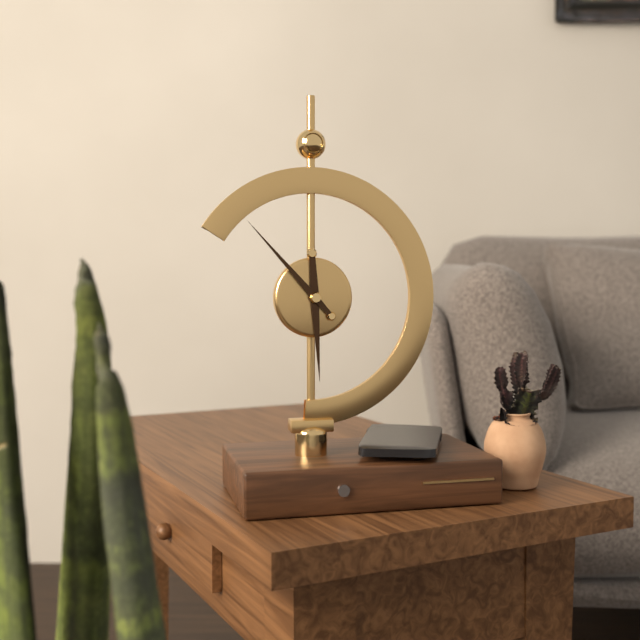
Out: 5,53
